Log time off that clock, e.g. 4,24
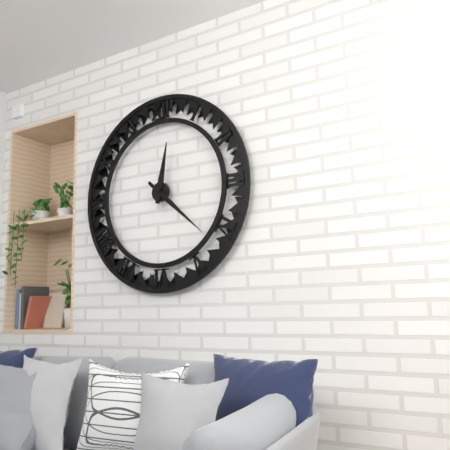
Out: 12,22
